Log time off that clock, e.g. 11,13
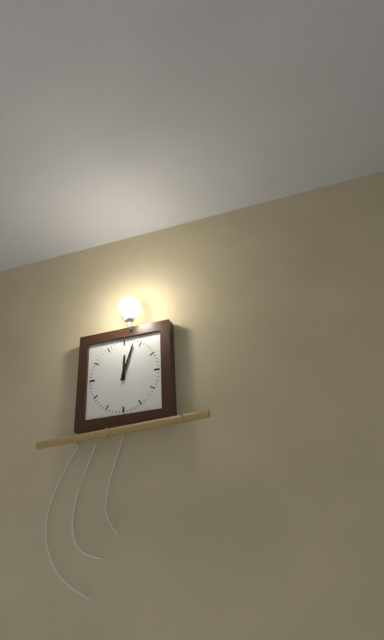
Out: 12,03
